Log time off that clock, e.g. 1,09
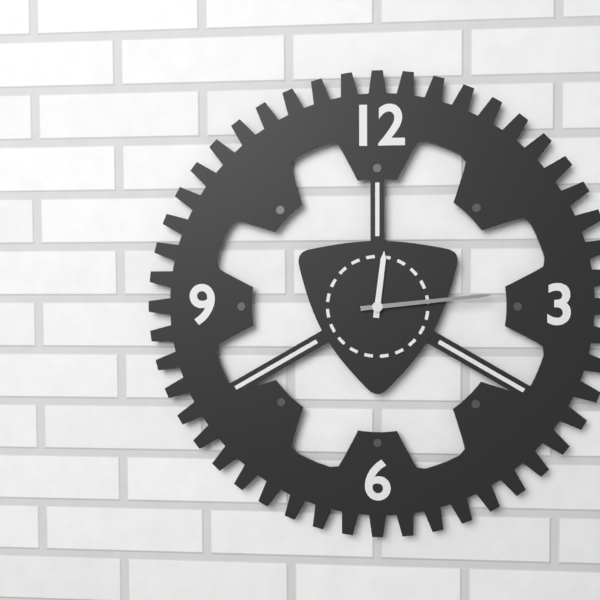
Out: 12,14
